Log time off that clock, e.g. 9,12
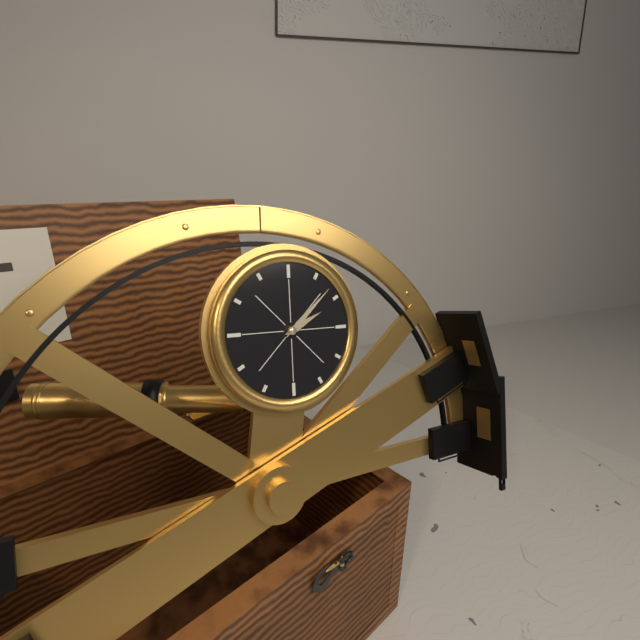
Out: 2,08
